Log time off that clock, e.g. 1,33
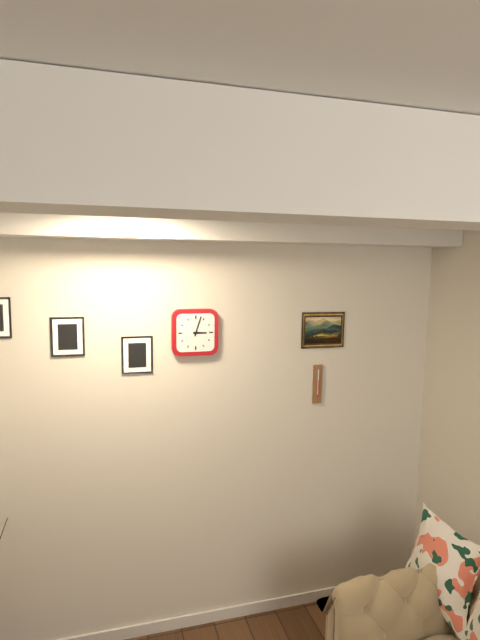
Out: 3,03
